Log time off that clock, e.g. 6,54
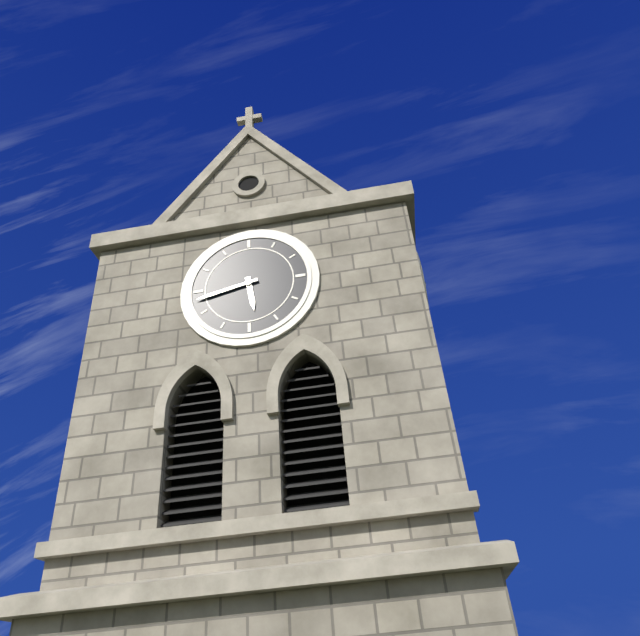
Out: 5,43
